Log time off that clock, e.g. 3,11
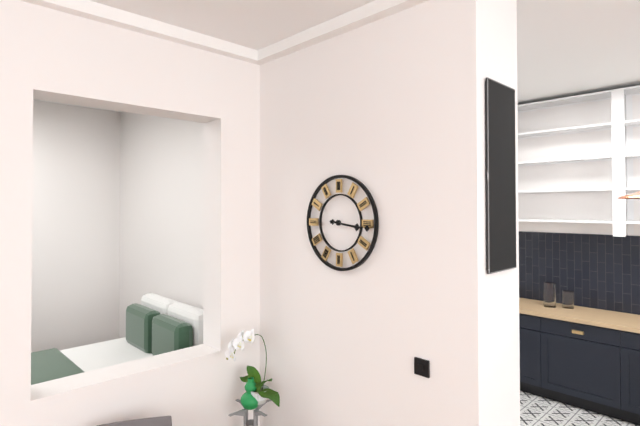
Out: 3,16
